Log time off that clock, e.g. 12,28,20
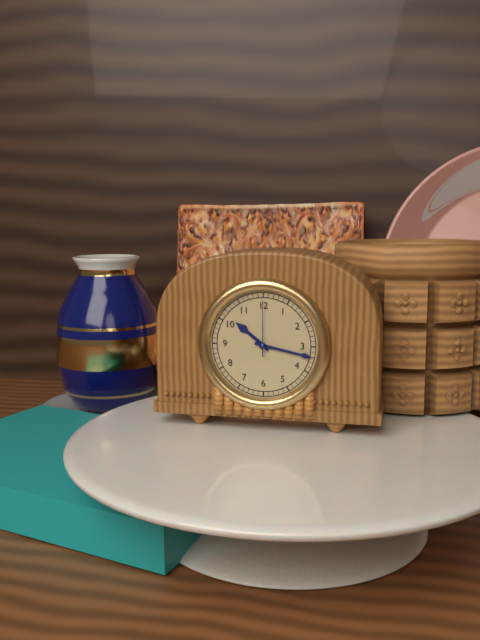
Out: 10,17,00
